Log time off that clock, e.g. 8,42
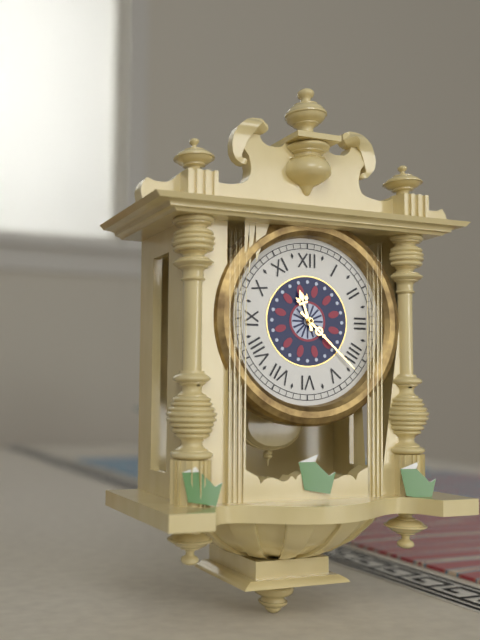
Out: 11,22
